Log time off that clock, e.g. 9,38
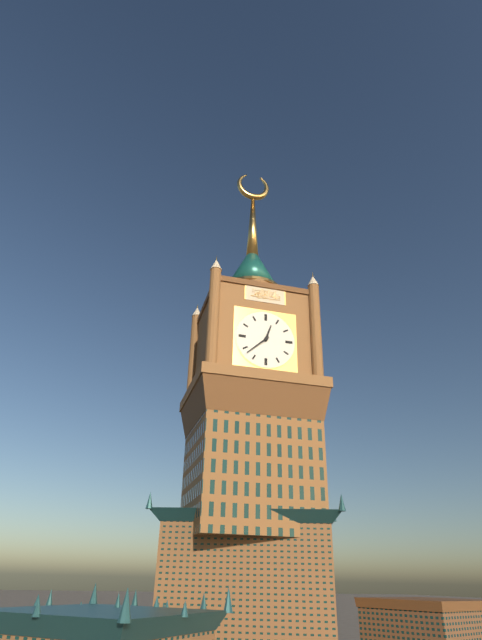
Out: 12,38
